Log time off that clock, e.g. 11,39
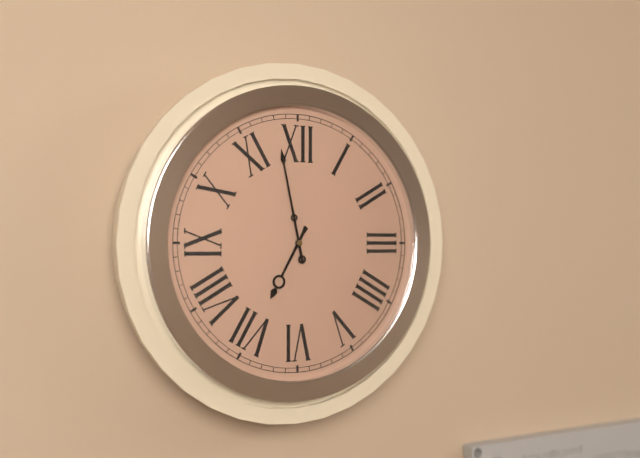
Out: 6,58
